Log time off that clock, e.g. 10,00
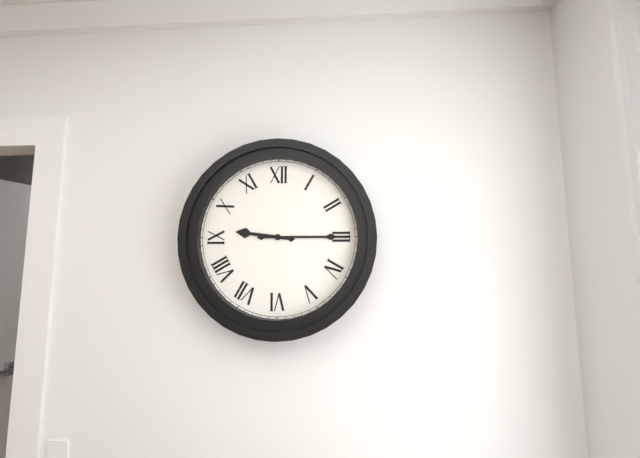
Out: 9,15
